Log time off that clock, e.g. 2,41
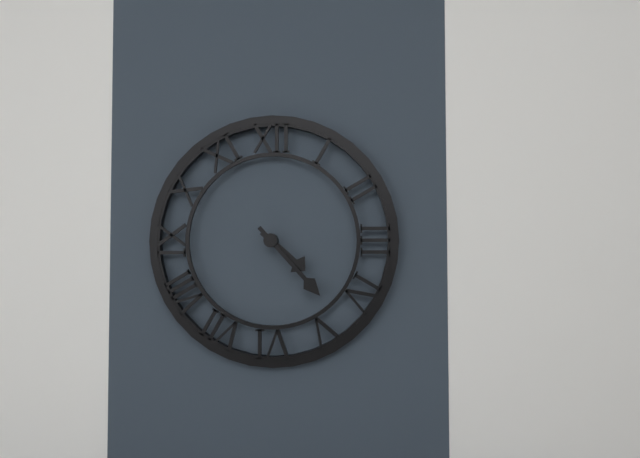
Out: 4,23
